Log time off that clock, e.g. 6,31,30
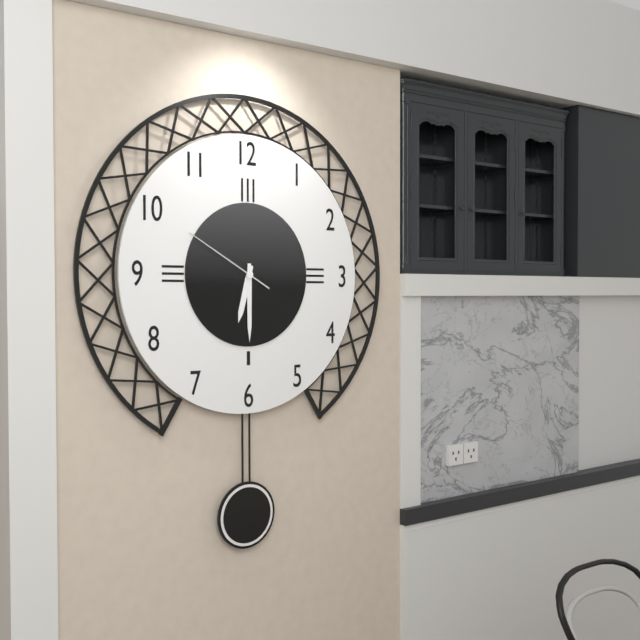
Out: 6,30,50
